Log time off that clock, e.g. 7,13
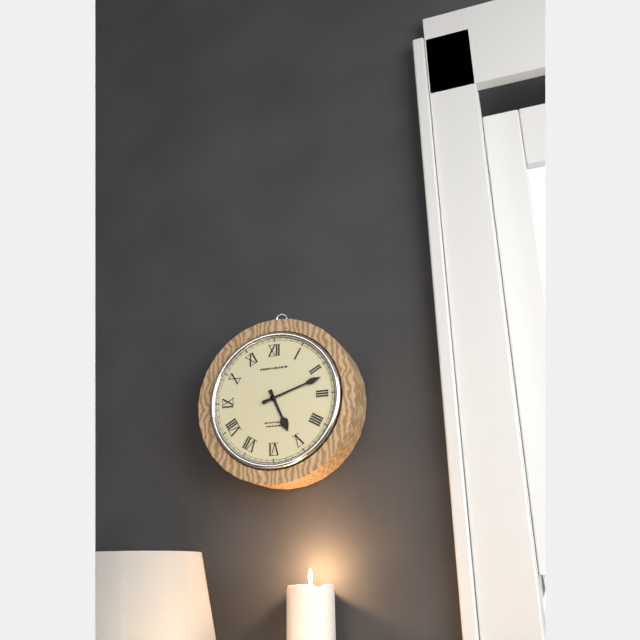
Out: 5,12
